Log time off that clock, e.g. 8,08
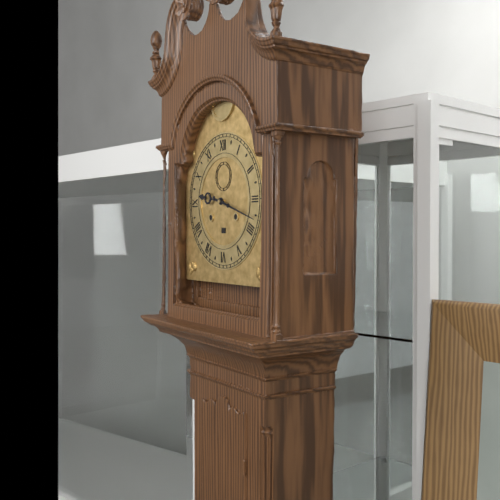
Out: 9,18
